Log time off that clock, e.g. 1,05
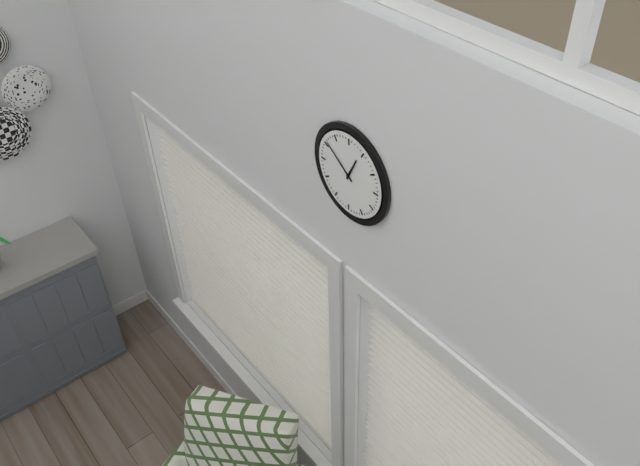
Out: 12,51
